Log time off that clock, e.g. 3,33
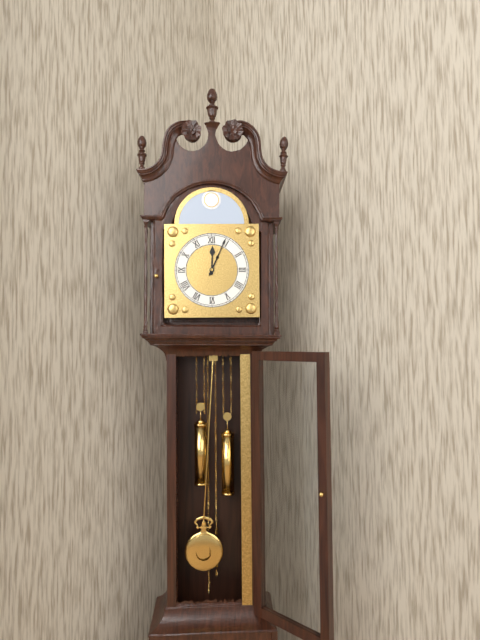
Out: 12,04
